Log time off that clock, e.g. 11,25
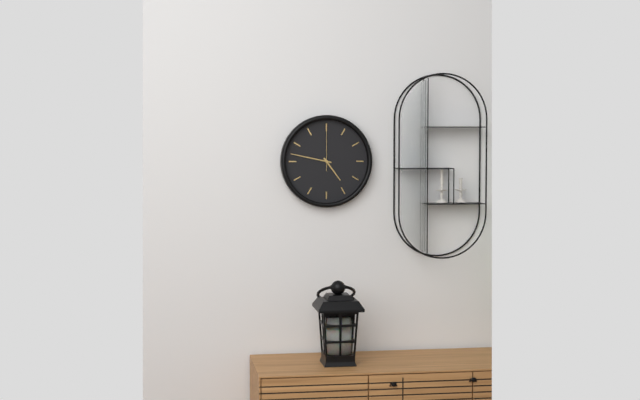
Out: 4,47
